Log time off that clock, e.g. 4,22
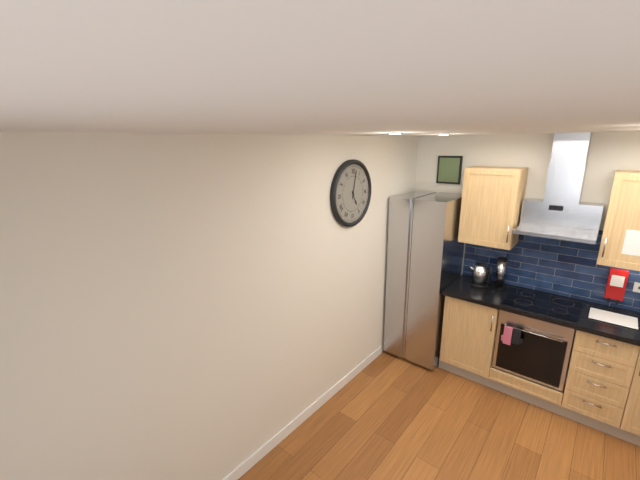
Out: 5,02
